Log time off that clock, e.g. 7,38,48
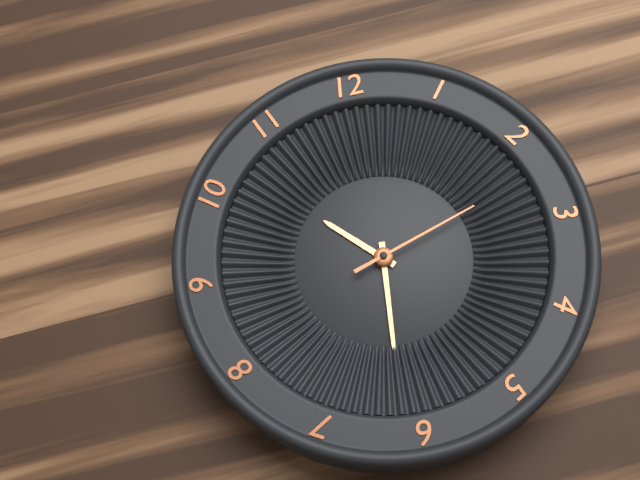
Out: 10,31,12
